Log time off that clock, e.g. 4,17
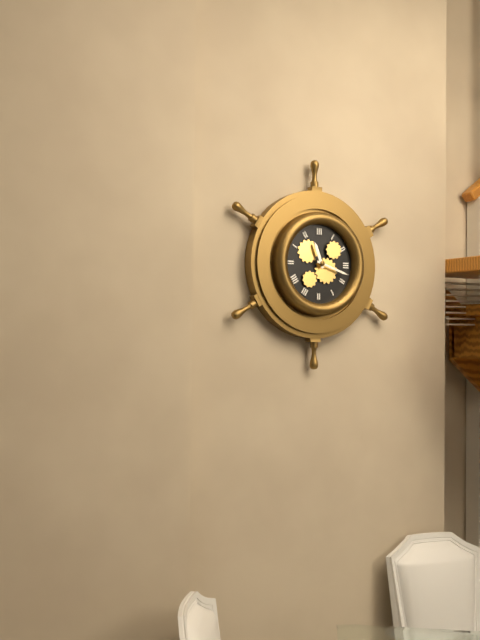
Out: 11,18
